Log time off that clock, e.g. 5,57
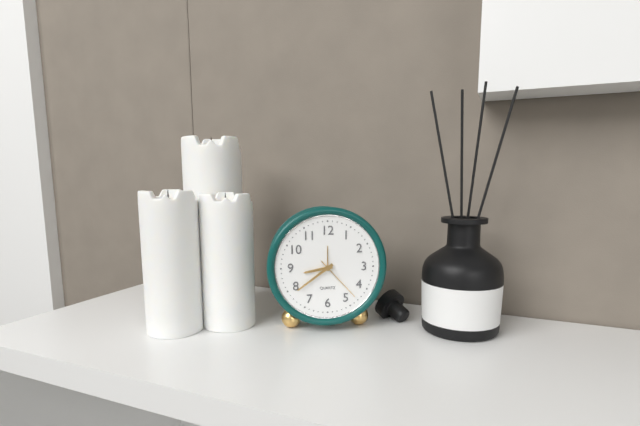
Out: 8,39
